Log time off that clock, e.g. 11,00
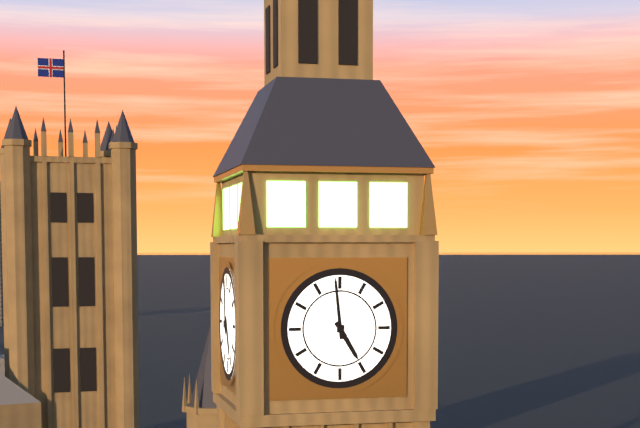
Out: 4,59
